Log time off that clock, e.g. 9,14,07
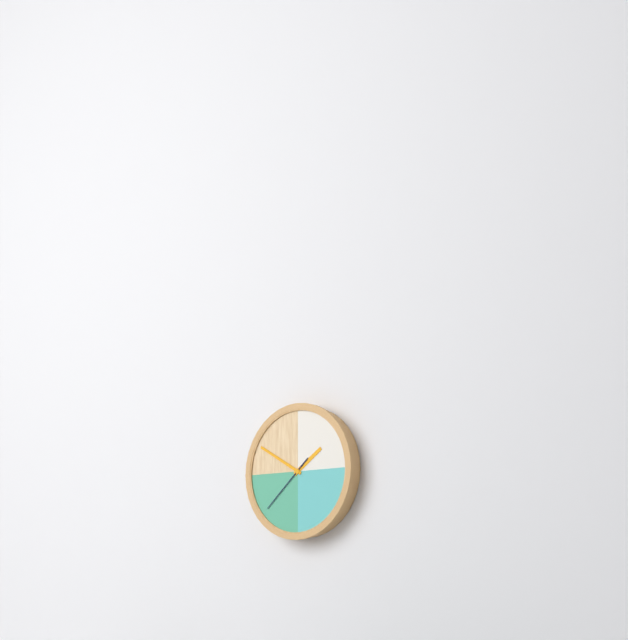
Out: 1,50,38
